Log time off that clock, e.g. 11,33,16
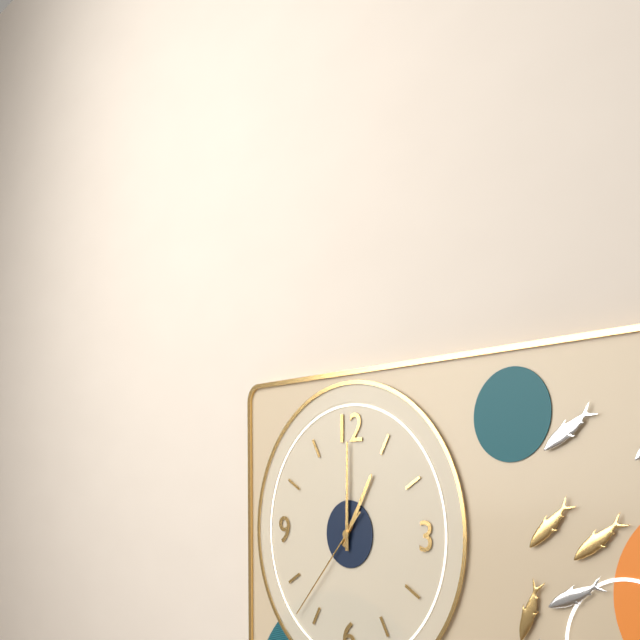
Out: 1,00,37
